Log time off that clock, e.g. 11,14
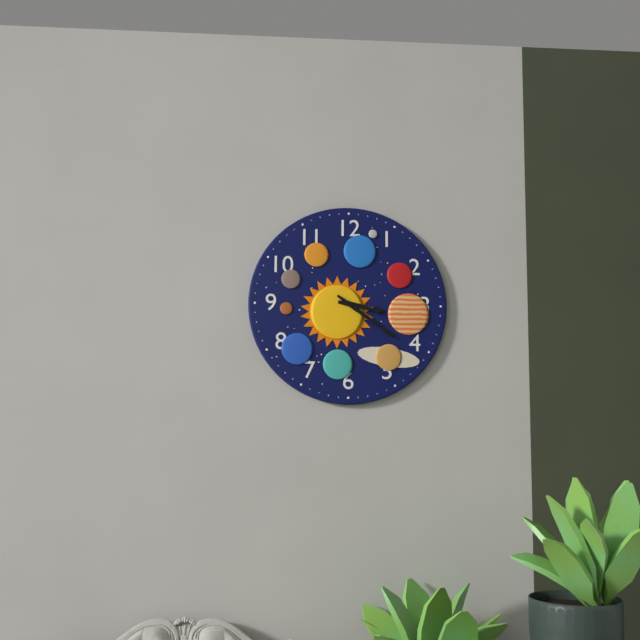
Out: 3,21
